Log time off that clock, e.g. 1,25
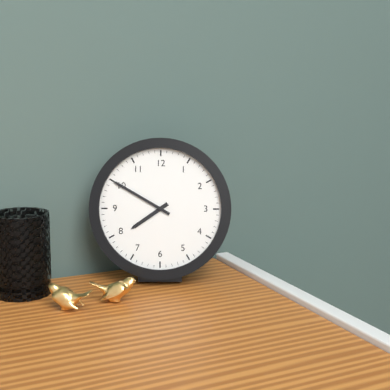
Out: 7,50
